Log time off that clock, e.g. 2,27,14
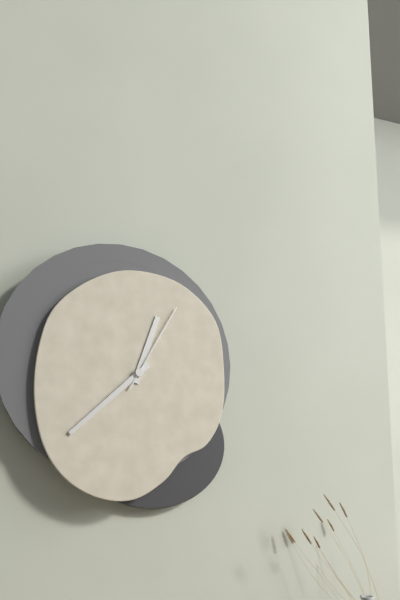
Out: 12,38,05
